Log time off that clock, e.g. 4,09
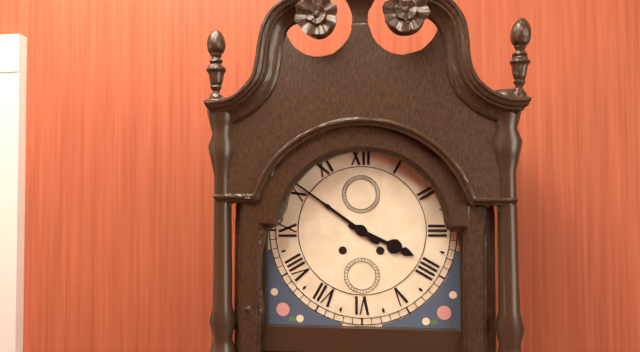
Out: 3,51
